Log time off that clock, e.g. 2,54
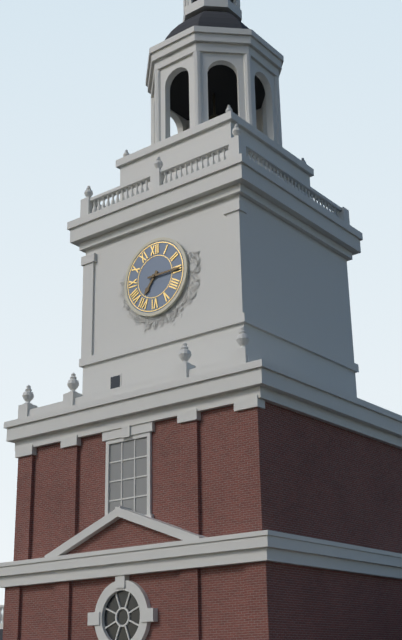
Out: 7,15
